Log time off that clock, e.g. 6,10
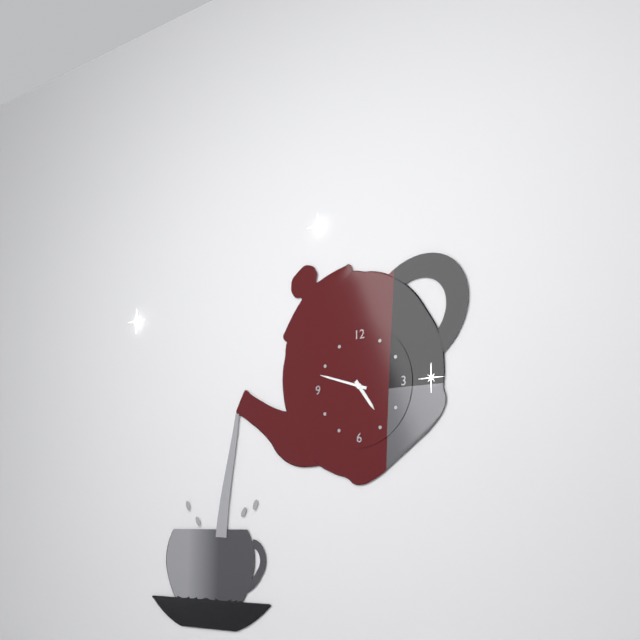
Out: 4,48
